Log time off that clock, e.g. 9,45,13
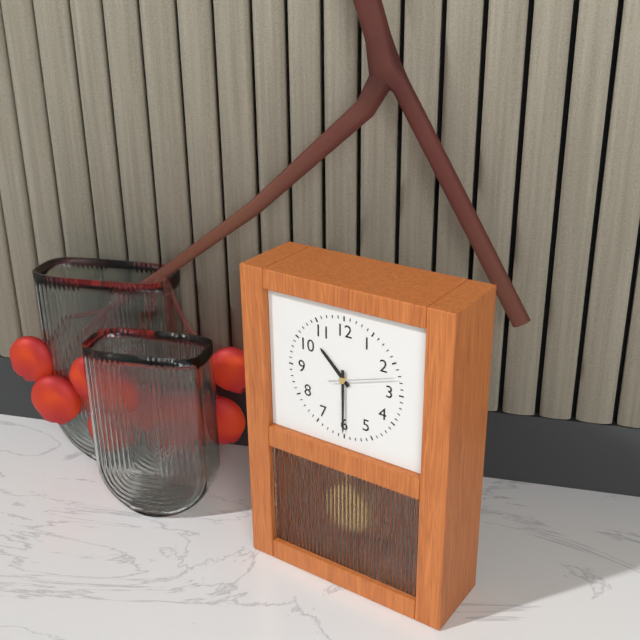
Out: 10,30,12
